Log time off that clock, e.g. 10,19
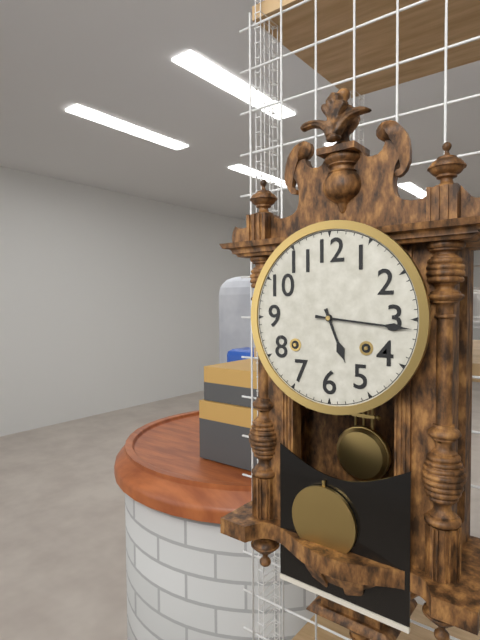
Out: 5,16
